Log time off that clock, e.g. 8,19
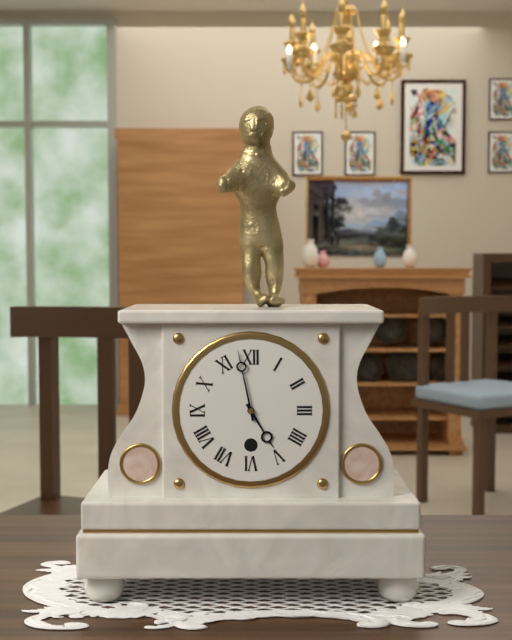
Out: 4,58
